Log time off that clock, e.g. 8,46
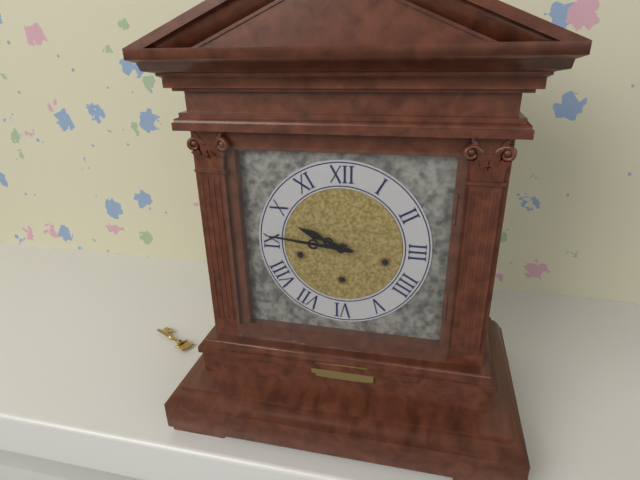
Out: 9,46
